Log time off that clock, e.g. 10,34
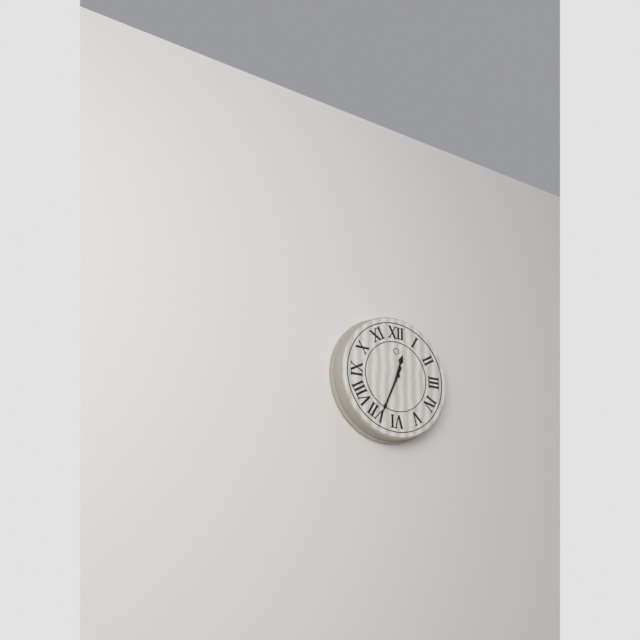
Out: 12,34
